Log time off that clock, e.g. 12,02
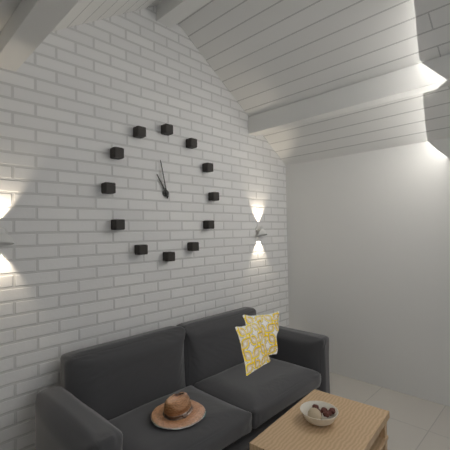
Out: 10,58
